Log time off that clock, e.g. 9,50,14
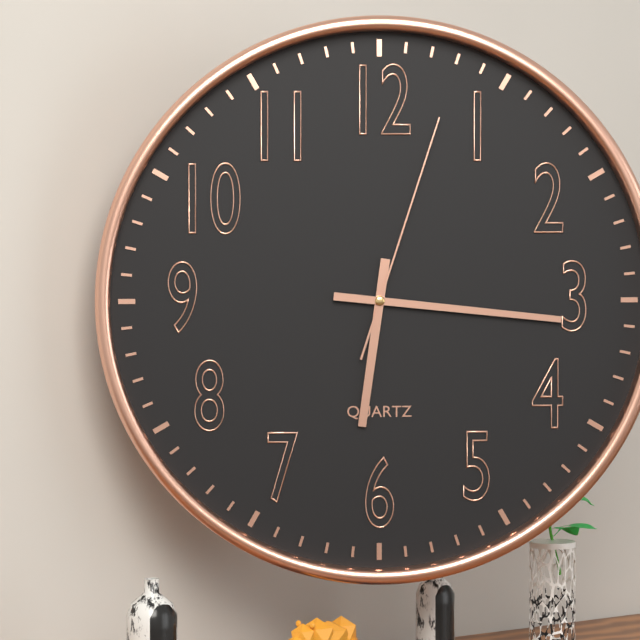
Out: 6,16,03
